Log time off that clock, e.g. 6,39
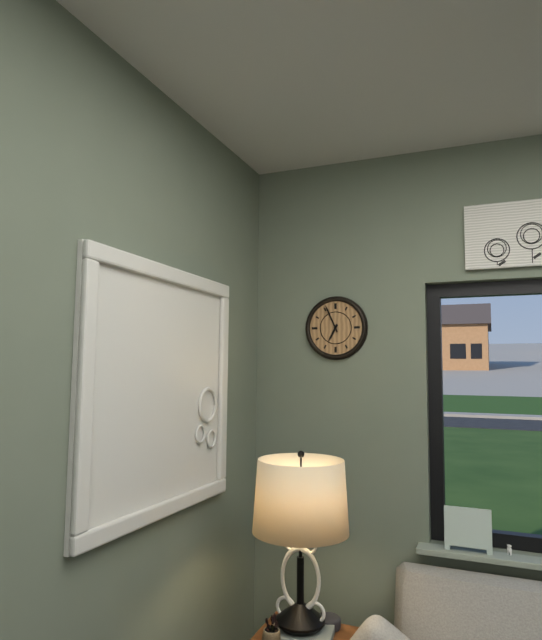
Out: 6,56
